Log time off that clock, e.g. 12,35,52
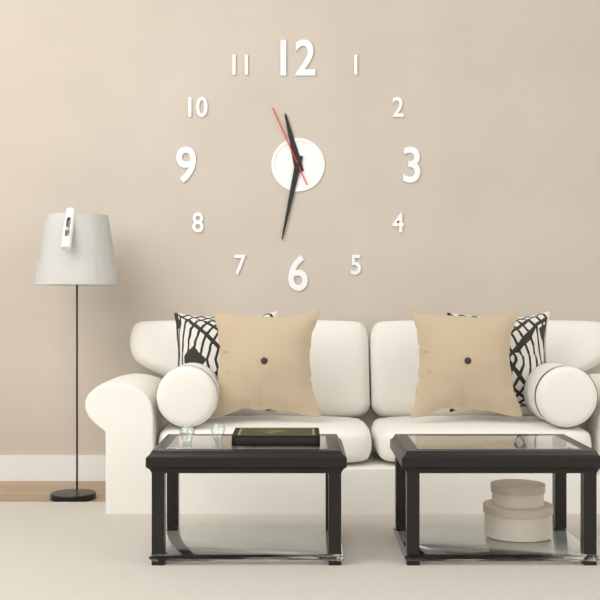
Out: 11,32,56
